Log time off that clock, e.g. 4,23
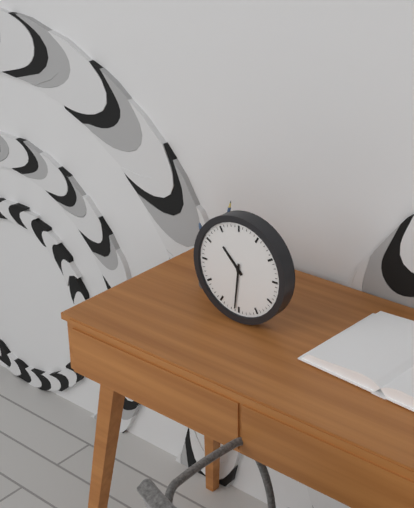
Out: 10,31
